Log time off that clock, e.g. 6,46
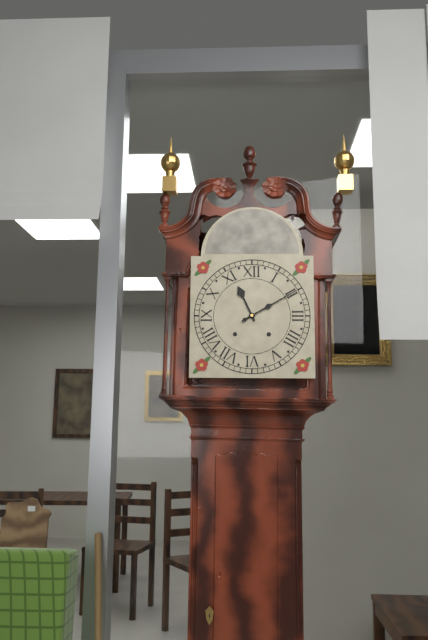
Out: 11,10
